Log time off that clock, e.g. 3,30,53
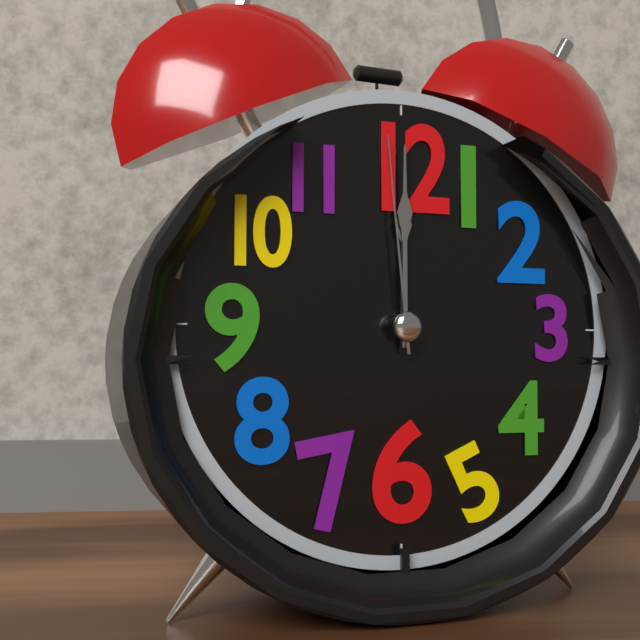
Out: 12,00,59
